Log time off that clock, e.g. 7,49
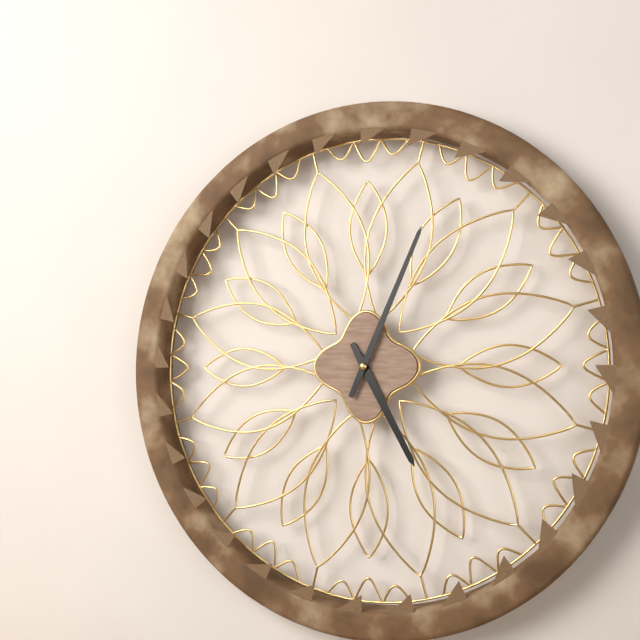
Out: 5,04
